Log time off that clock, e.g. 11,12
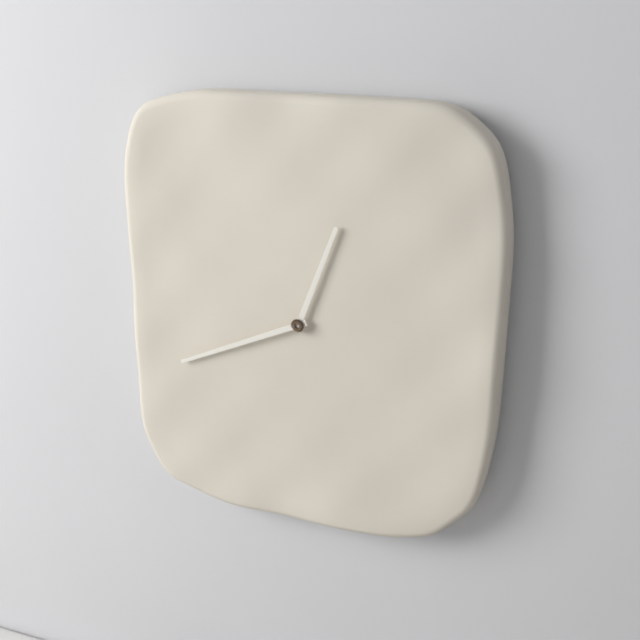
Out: 12,41
